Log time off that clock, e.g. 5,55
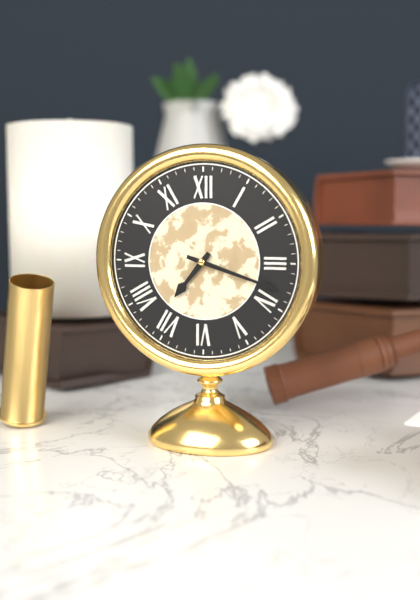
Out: 7,18
